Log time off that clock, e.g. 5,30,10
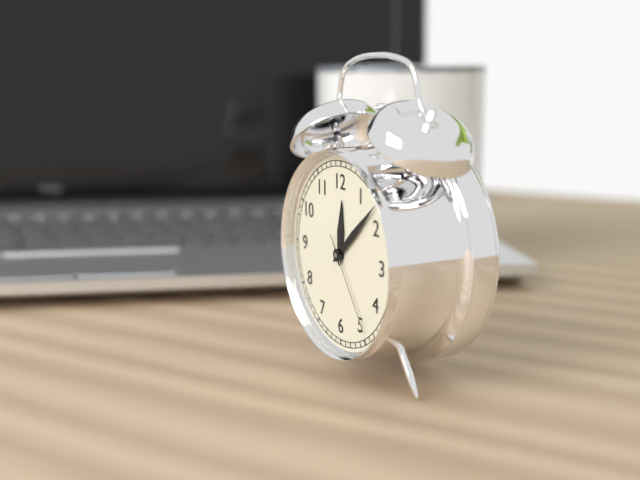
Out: 12,08,24
